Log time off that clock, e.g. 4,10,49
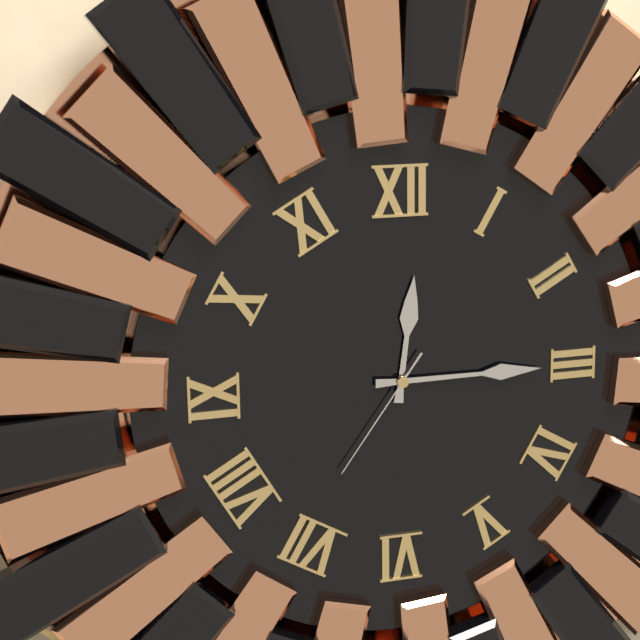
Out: 12,15,36
